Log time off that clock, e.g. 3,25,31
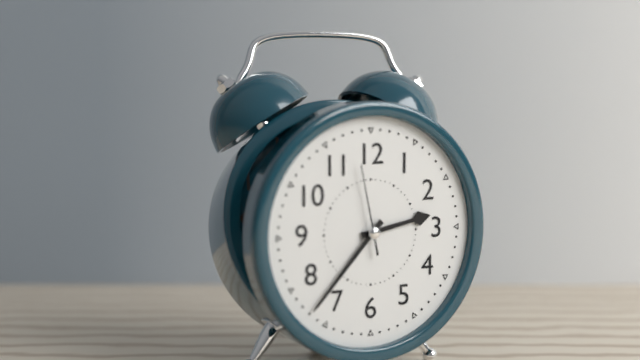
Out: 2,37,58
